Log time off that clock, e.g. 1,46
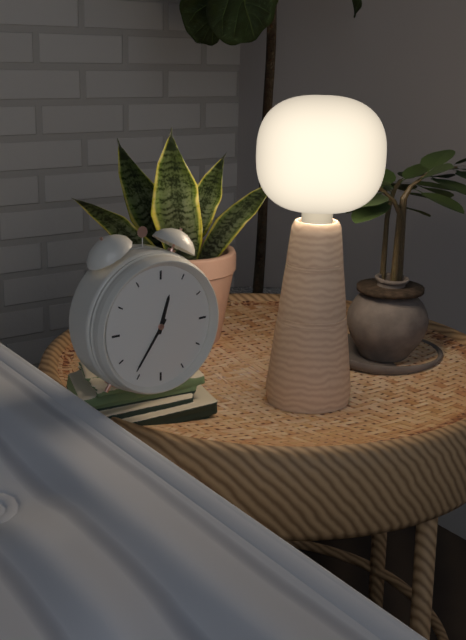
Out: 12,36
